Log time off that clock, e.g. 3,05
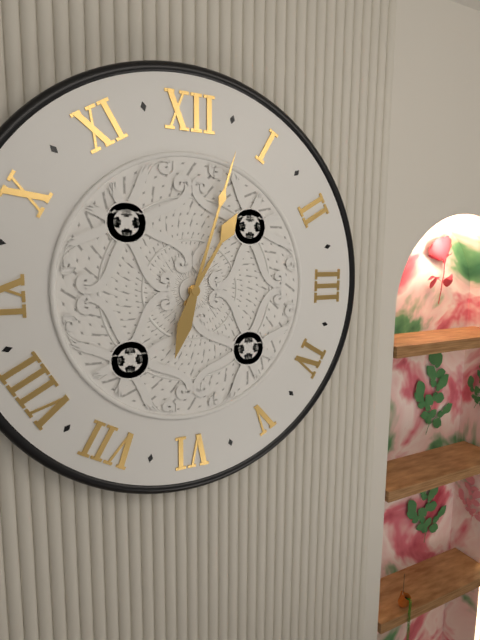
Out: 1,03
